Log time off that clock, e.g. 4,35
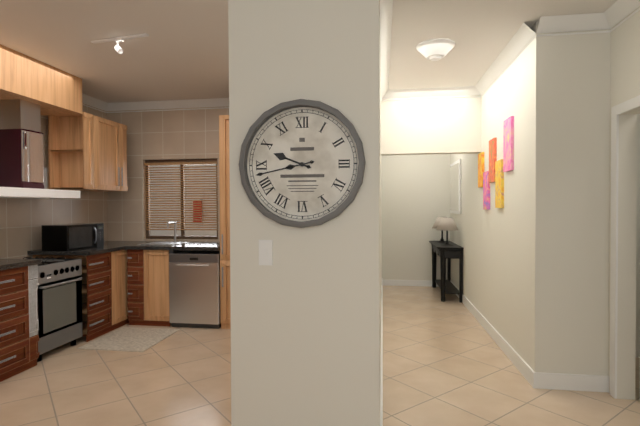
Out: 9,43
